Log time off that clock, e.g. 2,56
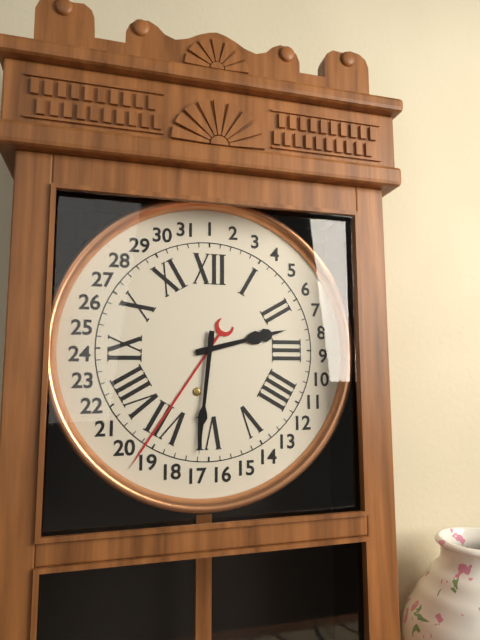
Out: 2,31
